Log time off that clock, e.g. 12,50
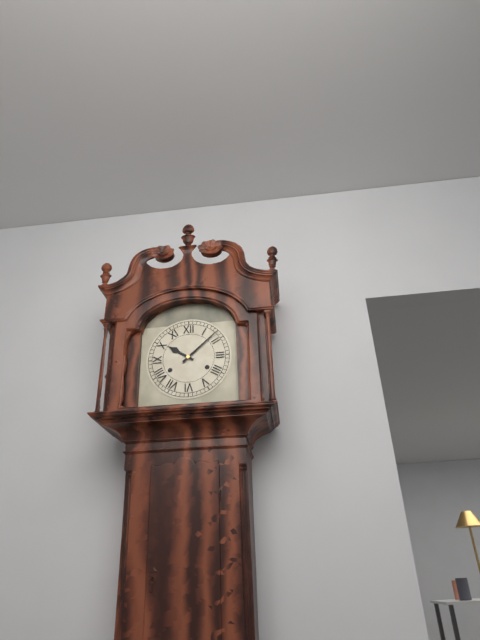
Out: 10,08
